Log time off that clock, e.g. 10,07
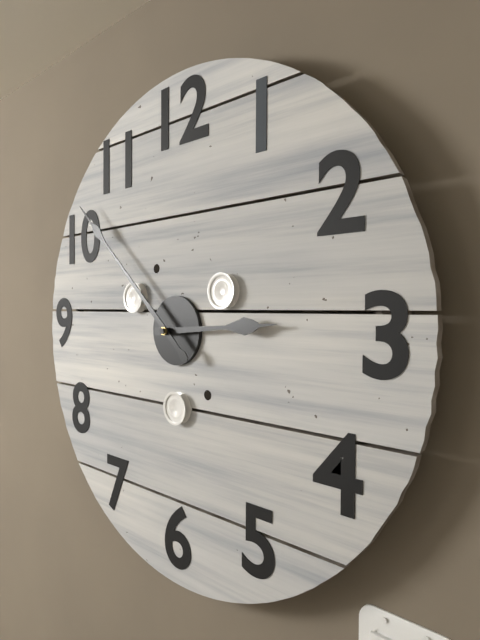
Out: 2,52
